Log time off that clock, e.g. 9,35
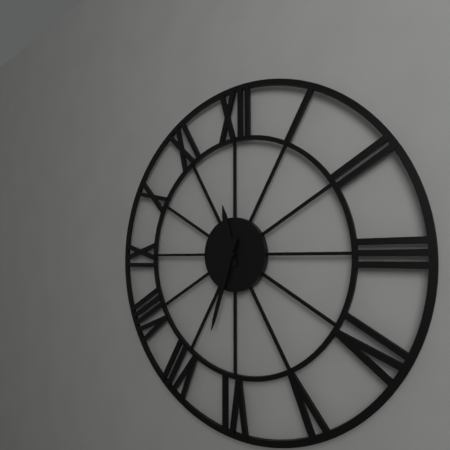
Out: 11,33
